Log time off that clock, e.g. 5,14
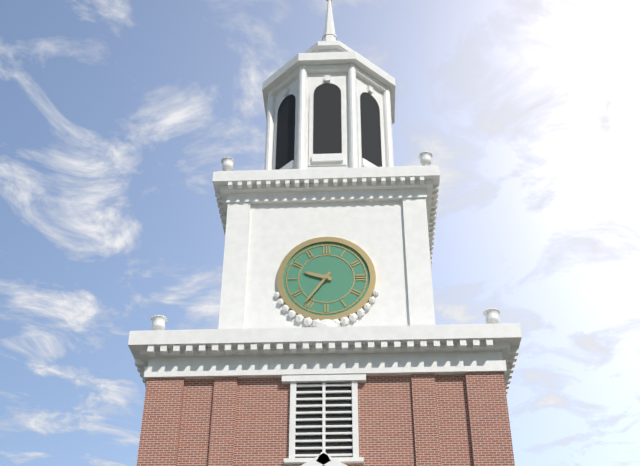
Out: 9,36
